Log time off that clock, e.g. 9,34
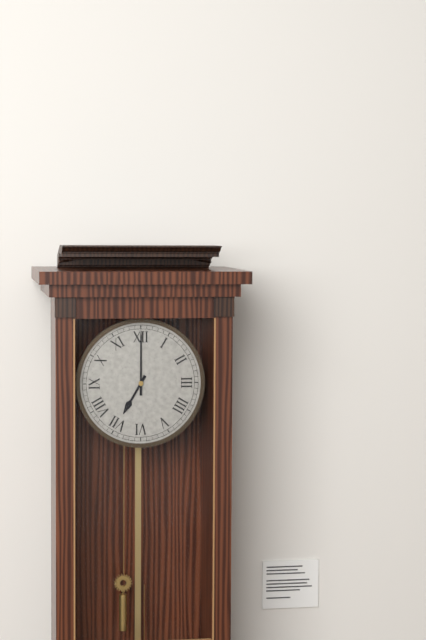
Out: 7,00
